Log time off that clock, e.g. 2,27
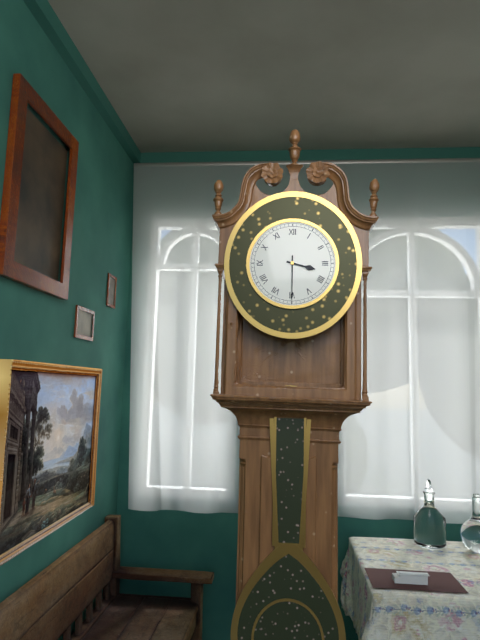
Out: 3,30
